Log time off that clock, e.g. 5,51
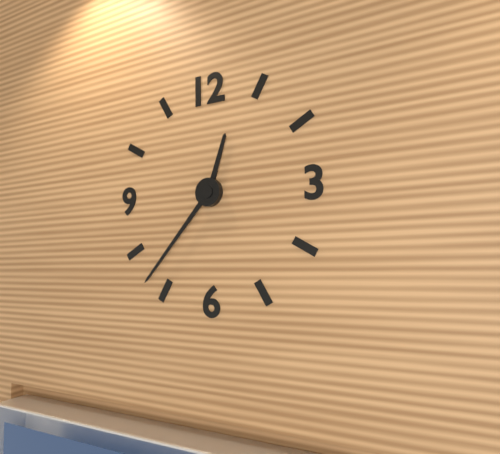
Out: 12,37
